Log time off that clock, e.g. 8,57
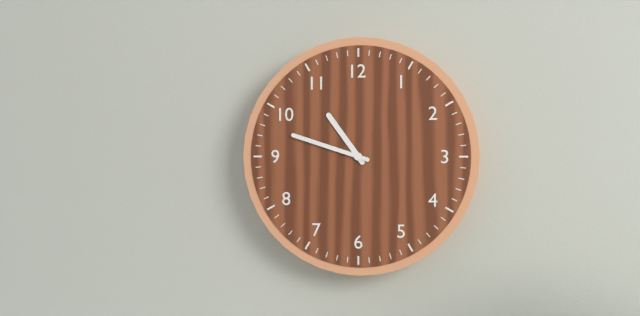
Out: 10,48
